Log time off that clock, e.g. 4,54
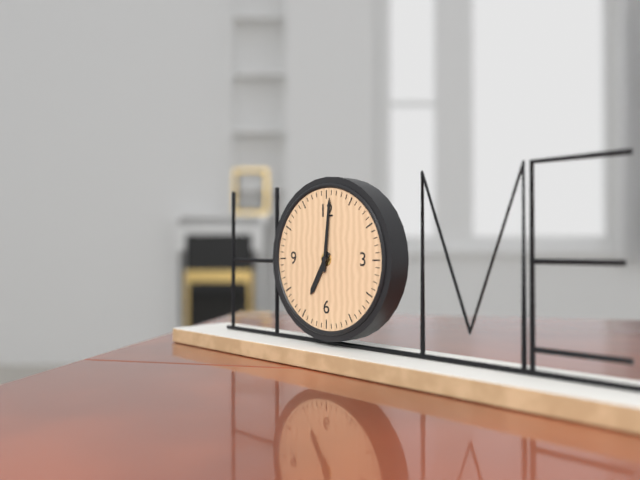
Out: 7,01
